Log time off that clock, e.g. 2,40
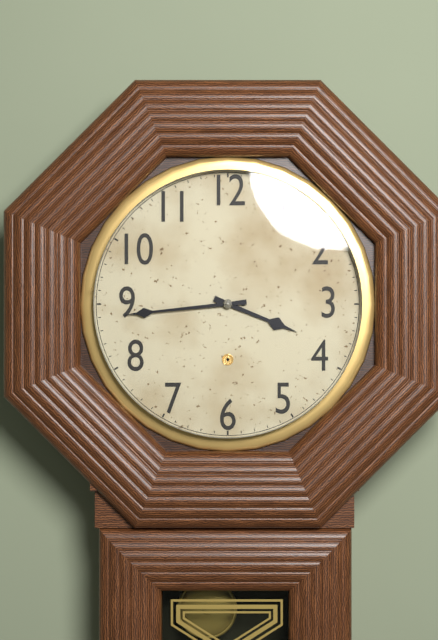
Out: 3,44
